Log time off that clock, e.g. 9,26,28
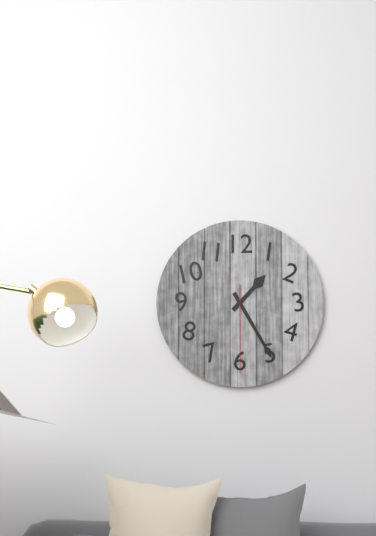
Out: 1,25,30
